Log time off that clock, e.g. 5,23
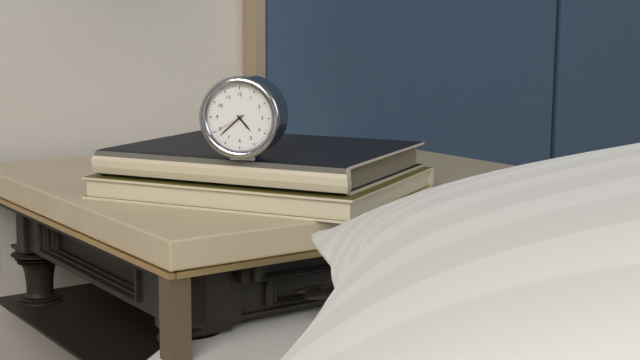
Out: 4,38
